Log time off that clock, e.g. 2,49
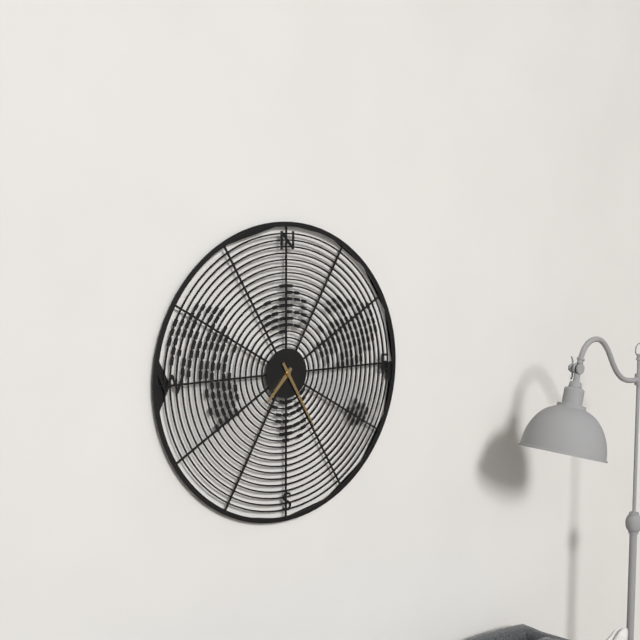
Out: 7,25
